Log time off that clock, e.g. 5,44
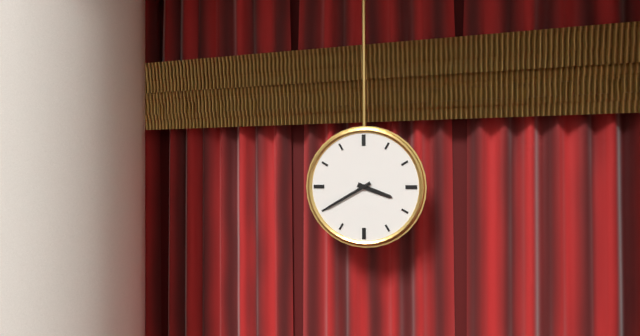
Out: 3,40
